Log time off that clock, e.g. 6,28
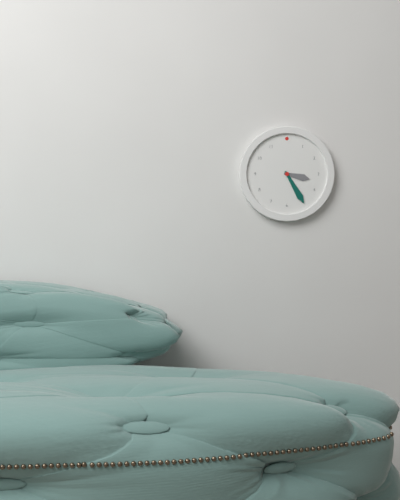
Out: 3,25
